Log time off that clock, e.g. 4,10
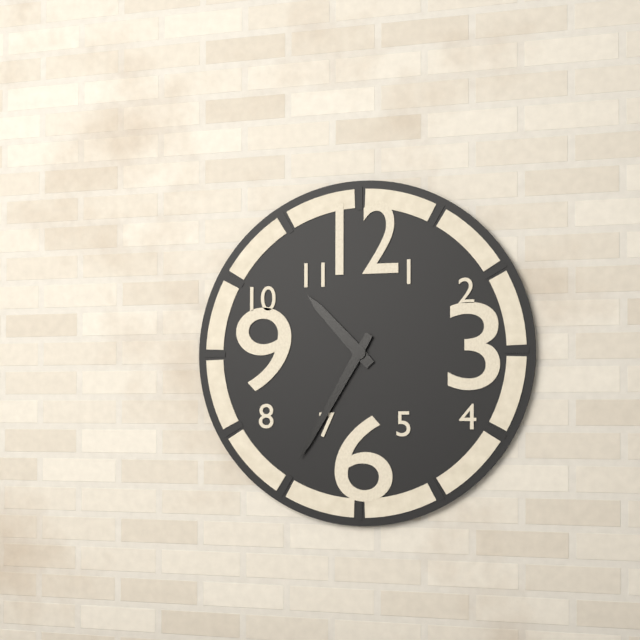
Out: 10,35
